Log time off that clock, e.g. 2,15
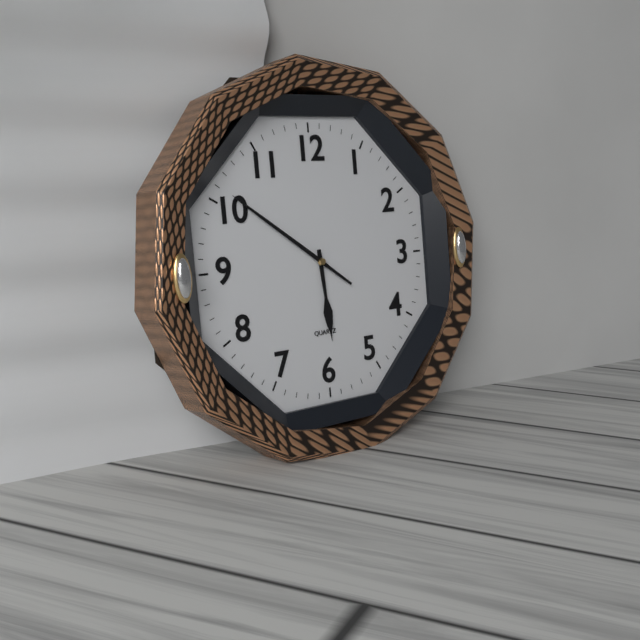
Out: 5,51
